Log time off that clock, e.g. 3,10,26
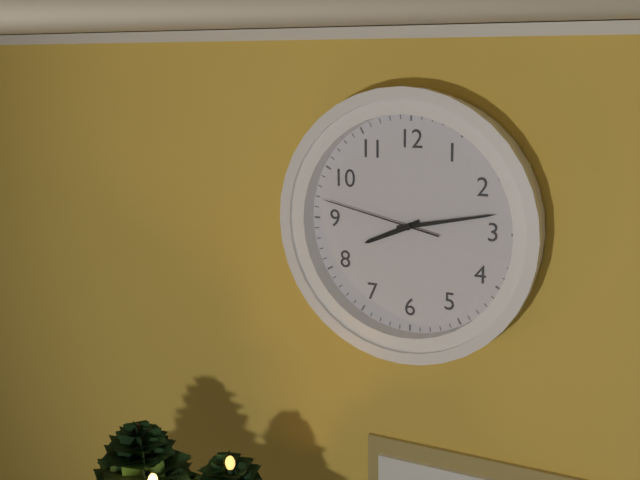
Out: 8,13,47
